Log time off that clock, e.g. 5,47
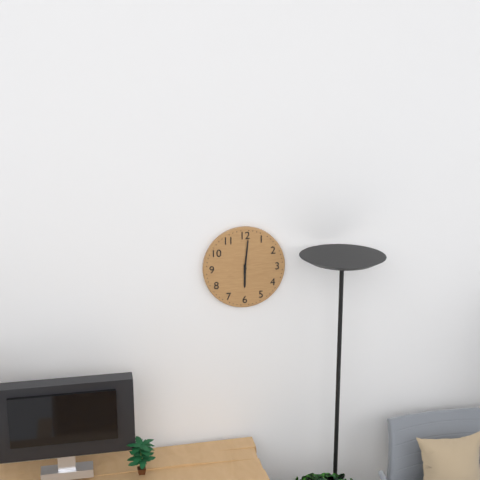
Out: 6,01
